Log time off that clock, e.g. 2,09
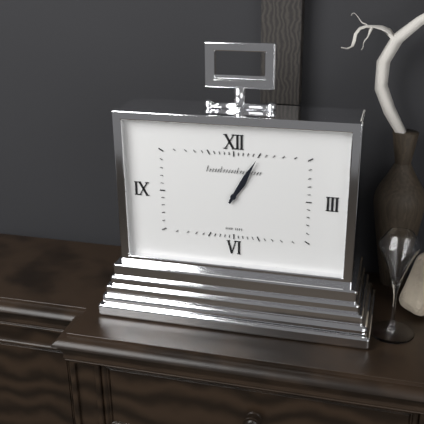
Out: 1,05
